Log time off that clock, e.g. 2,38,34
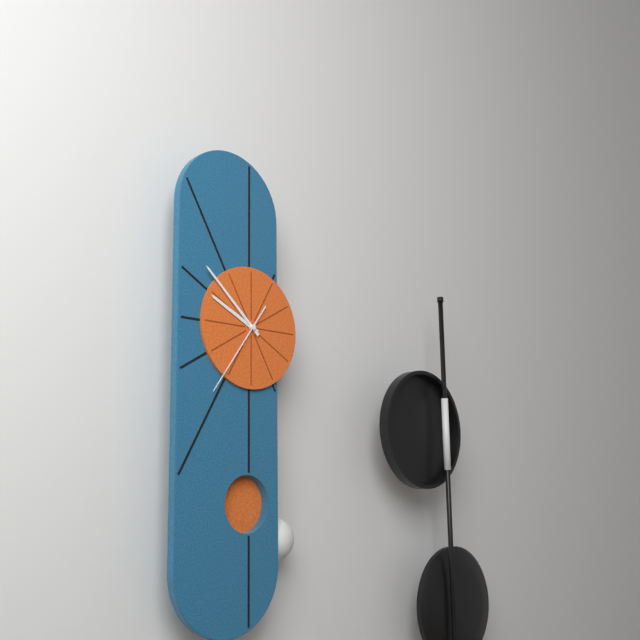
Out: 9,52,36
